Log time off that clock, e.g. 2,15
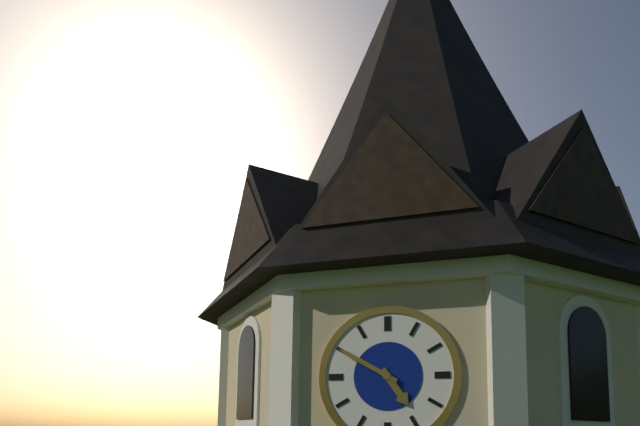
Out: 4,50
